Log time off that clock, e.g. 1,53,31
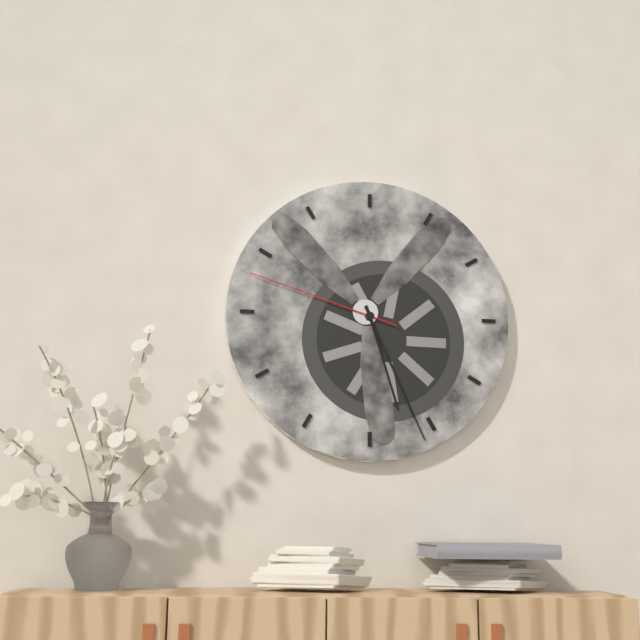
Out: 5,26,48
